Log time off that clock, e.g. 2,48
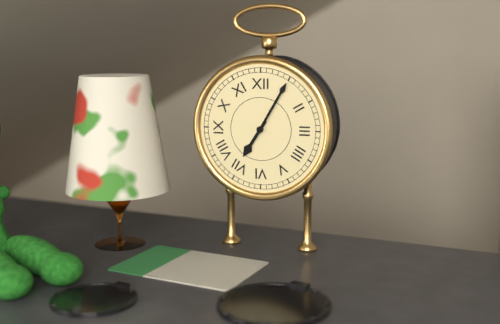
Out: 7,05
